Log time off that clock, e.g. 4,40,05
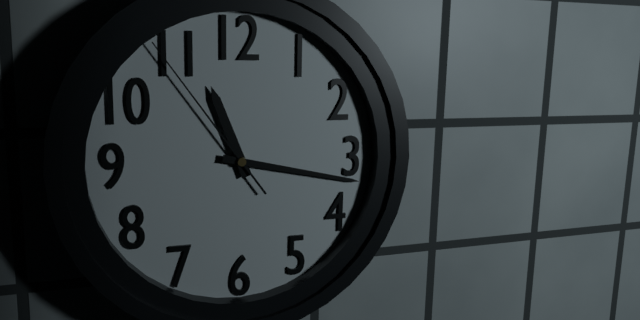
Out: 11,17,54
